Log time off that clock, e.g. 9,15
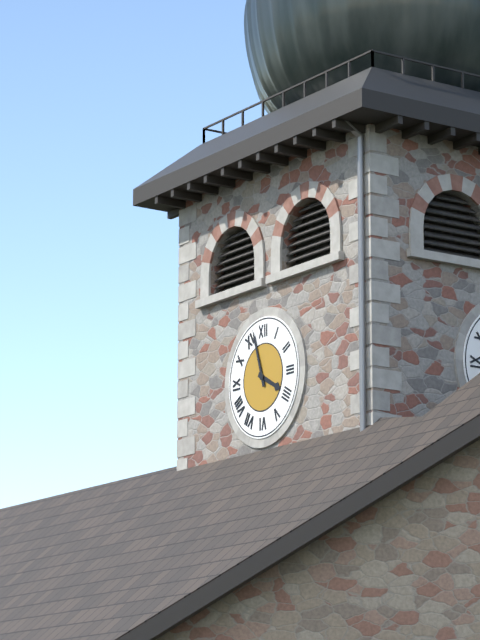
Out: 3,57
